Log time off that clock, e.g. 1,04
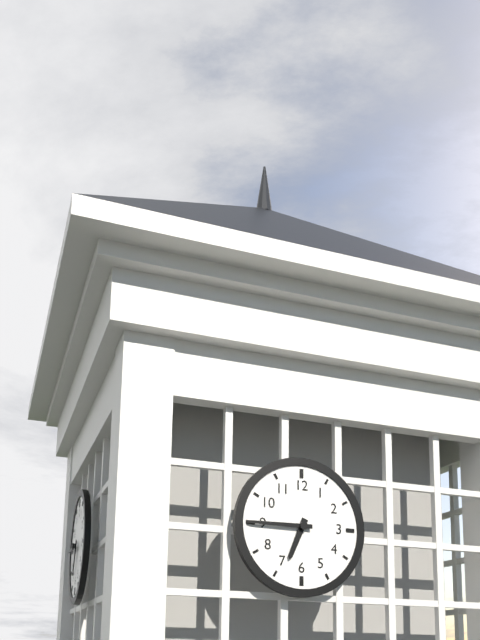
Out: 6,45
